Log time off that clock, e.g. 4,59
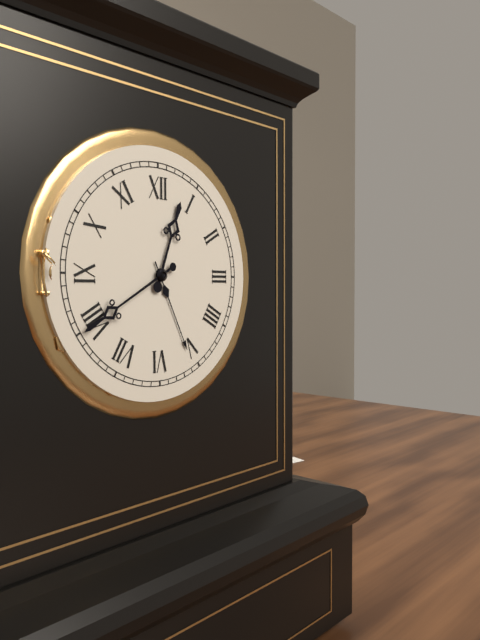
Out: 12,40
